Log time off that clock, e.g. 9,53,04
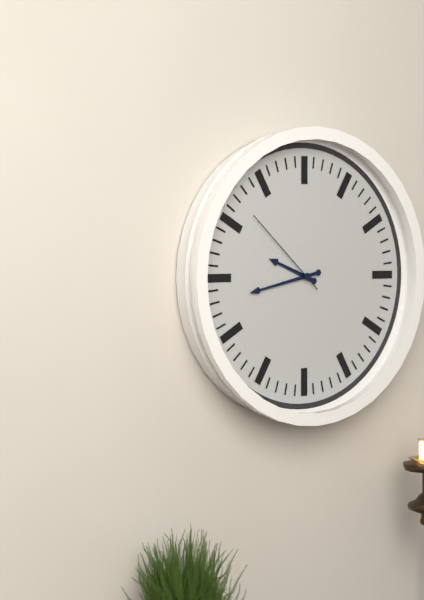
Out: 9,43,52
